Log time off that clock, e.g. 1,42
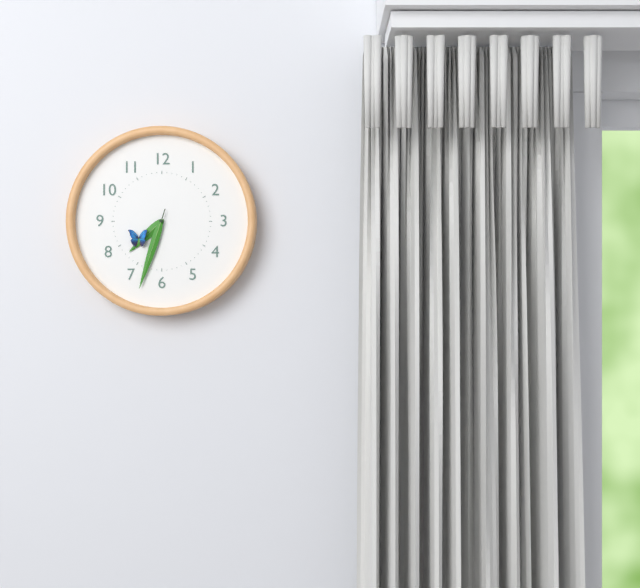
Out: 7,33
